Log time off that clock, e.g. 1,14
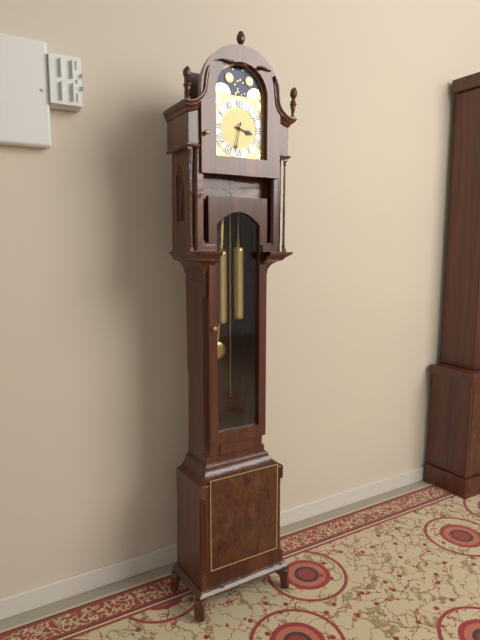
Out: 3,32
